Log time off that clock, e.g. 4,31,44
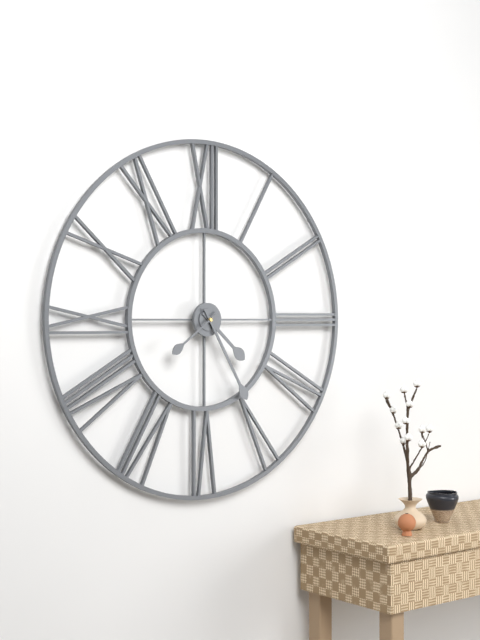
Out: 4,25,39
